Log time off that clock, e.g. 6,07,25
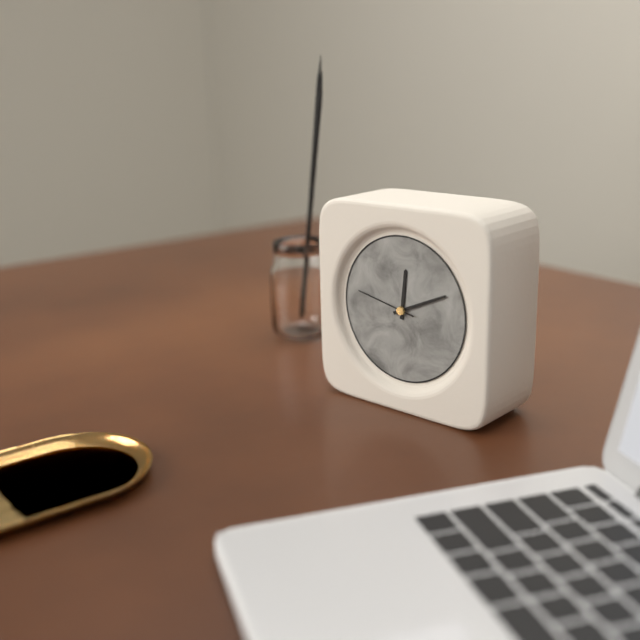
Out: 12,11,47
